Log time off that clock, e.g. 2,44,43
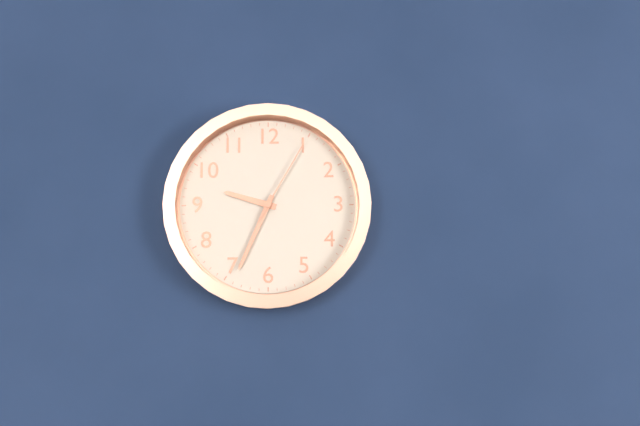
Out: 9,34,05
